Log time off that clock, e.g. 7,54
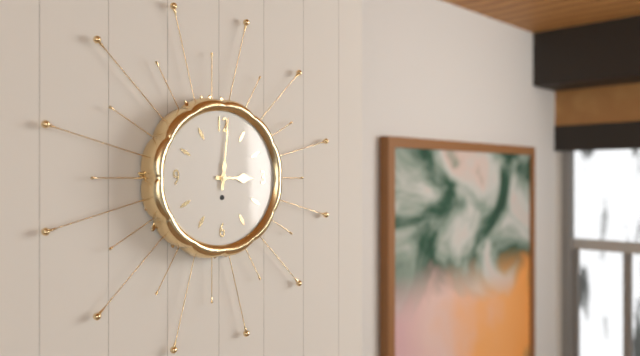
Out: 3,01
